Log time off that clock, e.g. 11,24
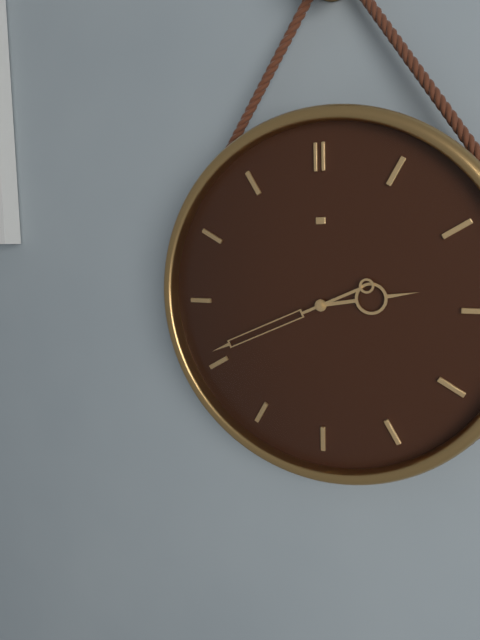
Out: 2,41
